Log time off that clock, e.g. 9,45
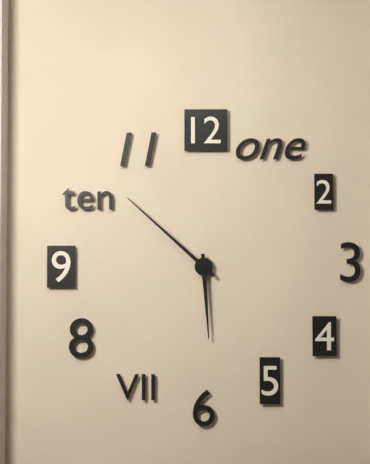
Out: 5,52
